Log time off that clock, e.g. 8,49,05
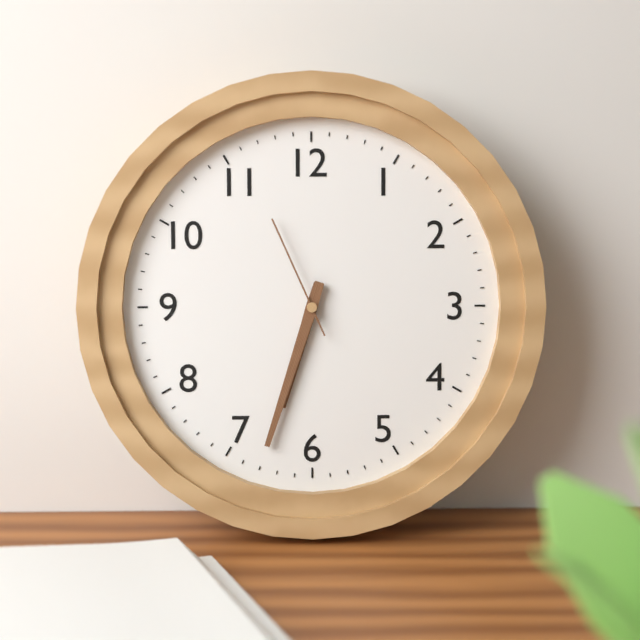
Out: 6,33,56
